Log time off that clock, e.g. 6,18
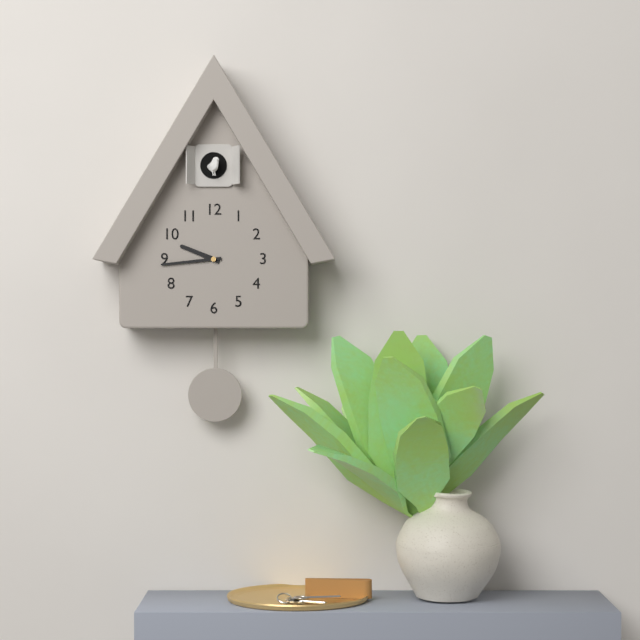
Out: 9,44
